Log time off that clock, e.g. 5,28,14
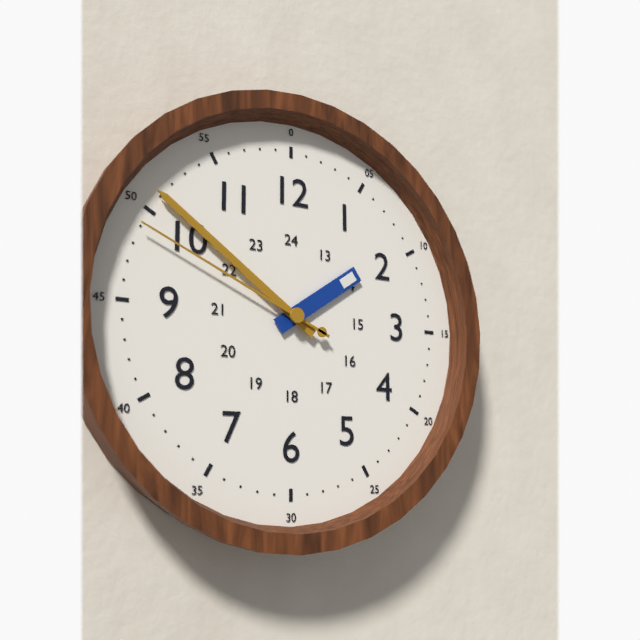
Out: 1,51,49
